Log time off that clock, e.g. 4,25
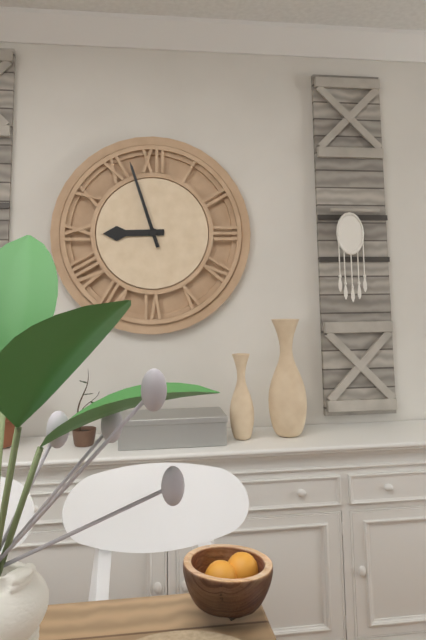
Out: 8,57
